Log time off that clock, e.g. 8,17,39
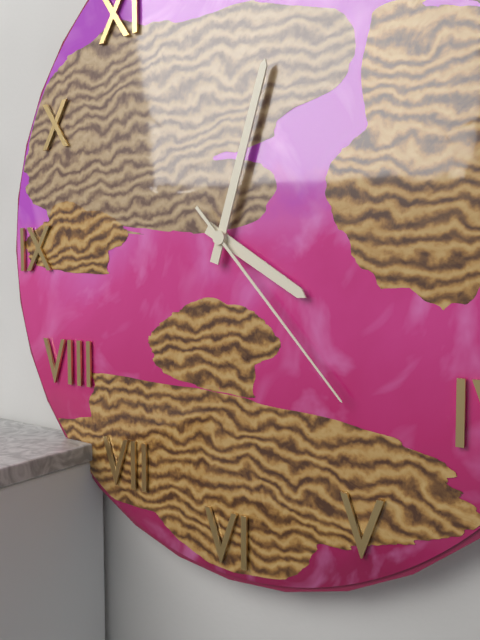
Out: 4,03,23
